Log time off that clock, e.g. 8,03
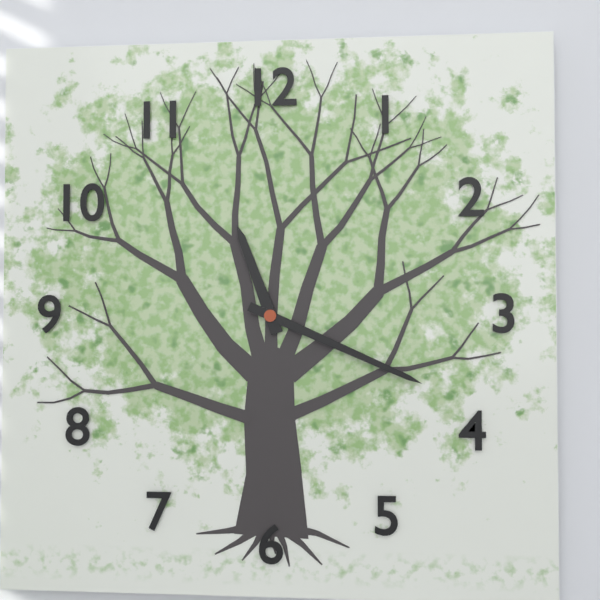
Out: 11,19
